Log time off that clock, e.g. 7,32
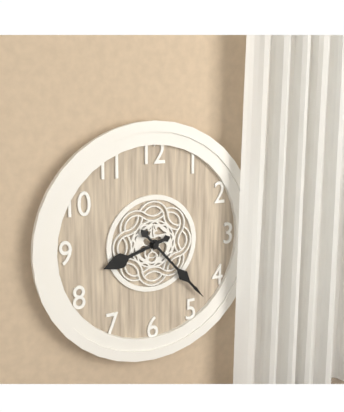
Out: 8,23
